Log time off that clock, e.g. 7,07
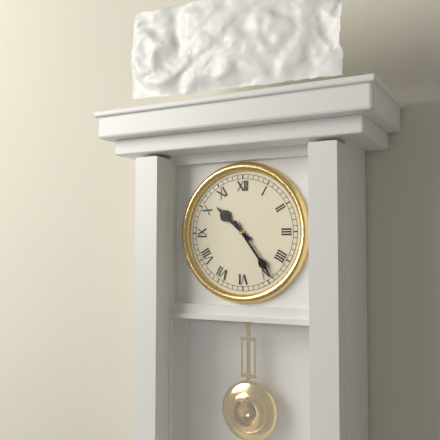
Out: 10,24
